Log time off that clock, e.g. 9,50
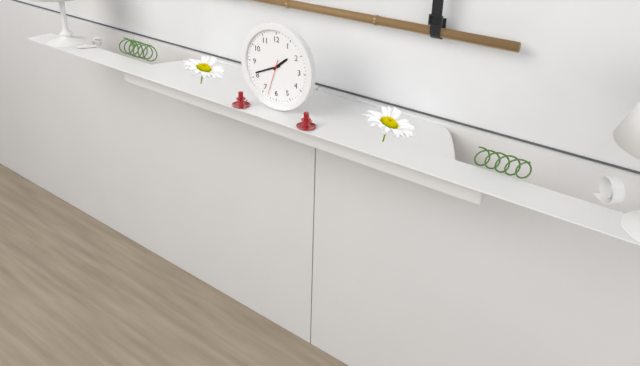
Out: 1,41
